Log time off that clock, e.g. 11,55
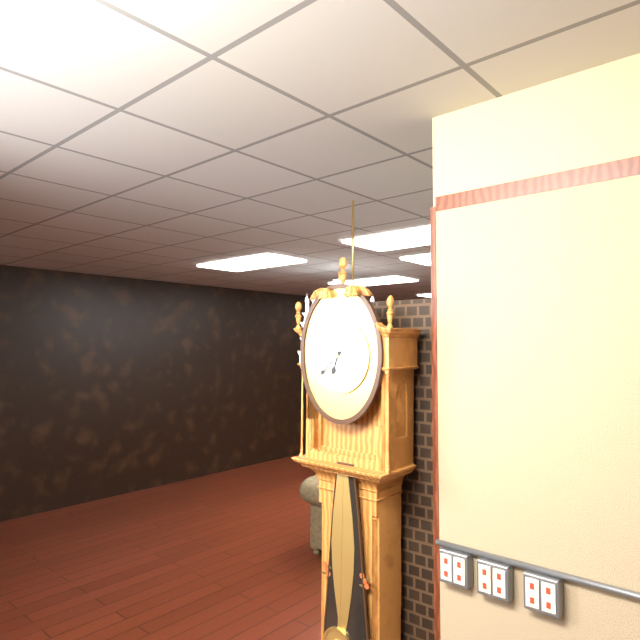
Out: 6,38
